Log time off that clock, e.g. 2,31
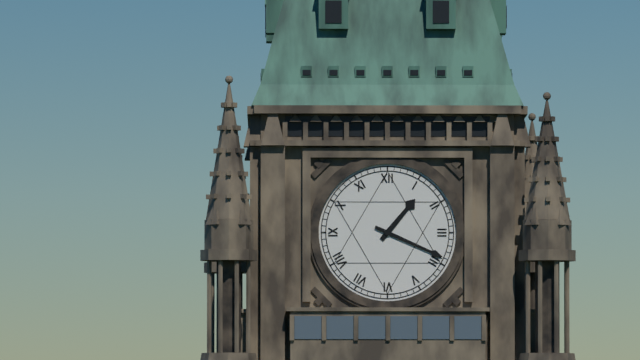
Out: 1,19
